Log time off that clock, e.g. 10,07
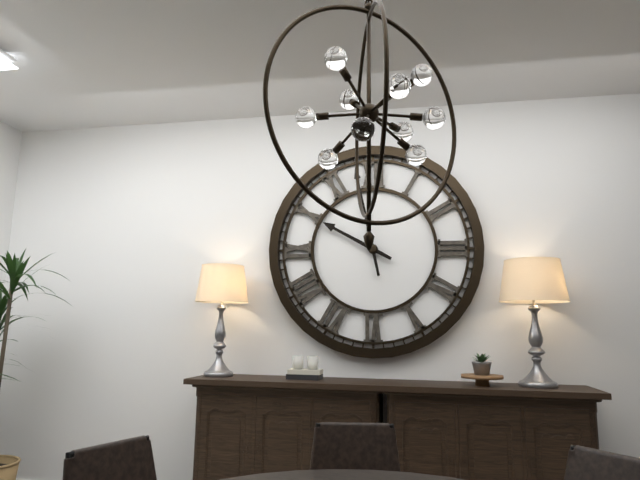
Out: 9,58
